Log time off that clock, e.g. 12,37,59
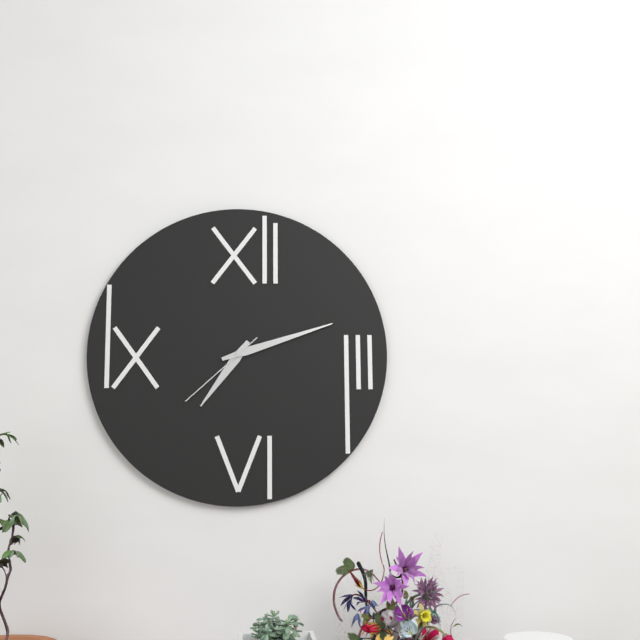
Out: 7,12,38
